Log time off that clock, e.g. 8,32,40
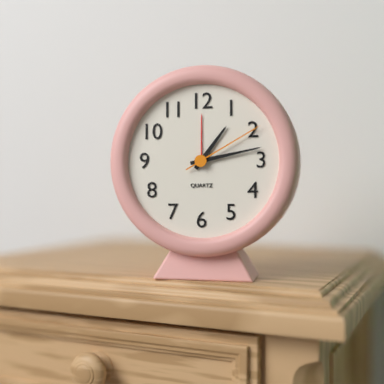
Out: 1,13,10
